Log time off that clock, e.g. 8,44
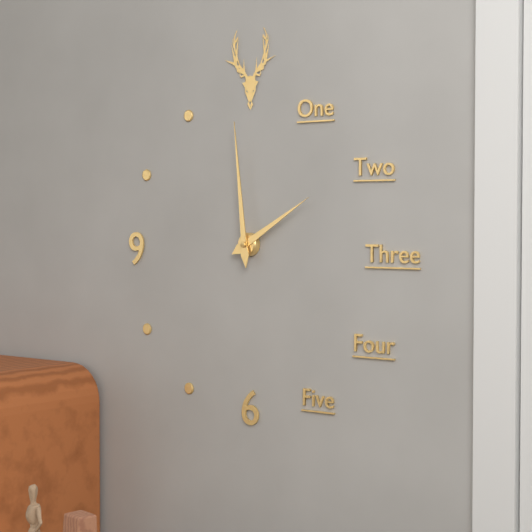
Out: 1,59
